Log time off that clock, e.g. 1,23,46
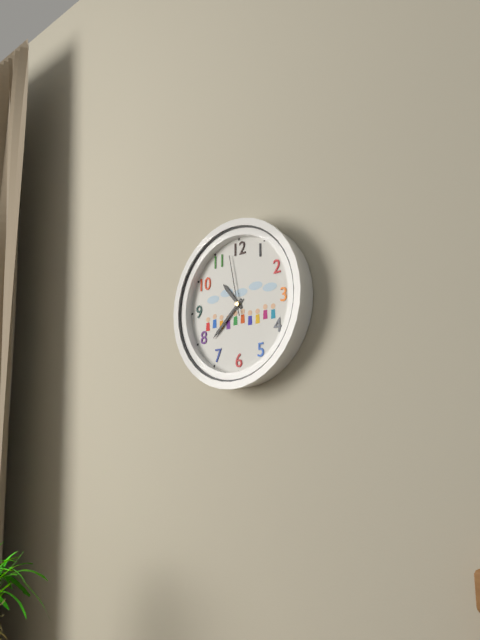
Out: 10,38,58
